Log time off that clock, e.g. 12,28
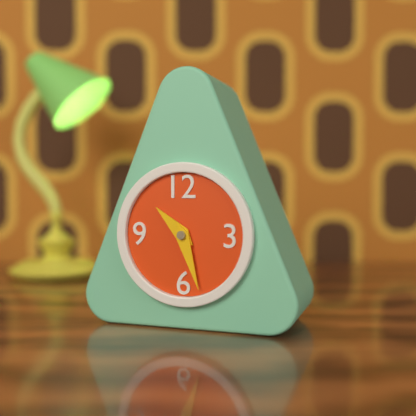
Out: 10,27
